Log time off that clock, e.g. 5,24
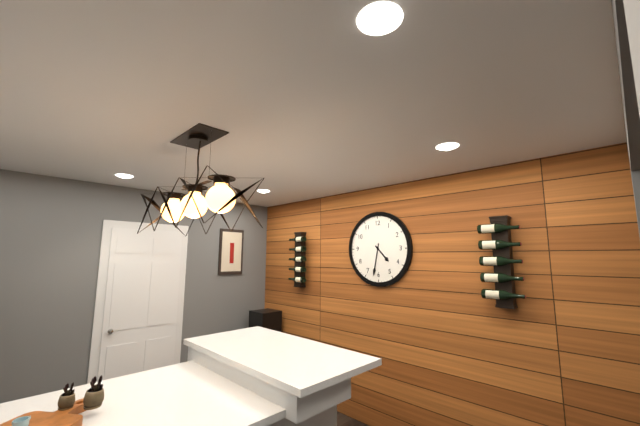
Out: 4,32
